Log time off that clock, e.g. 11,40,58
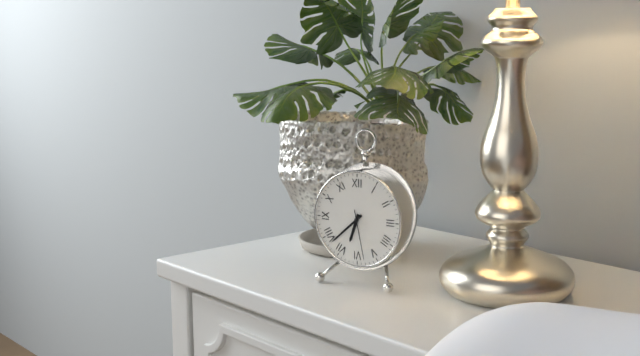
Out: 6,38,28
